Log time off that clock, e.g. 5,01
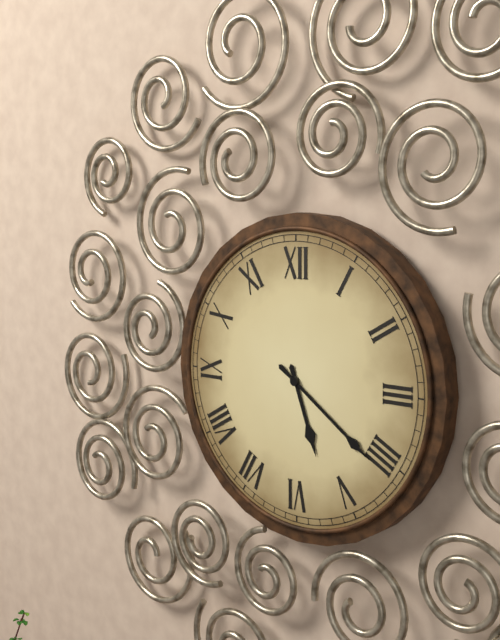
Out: 5,21
